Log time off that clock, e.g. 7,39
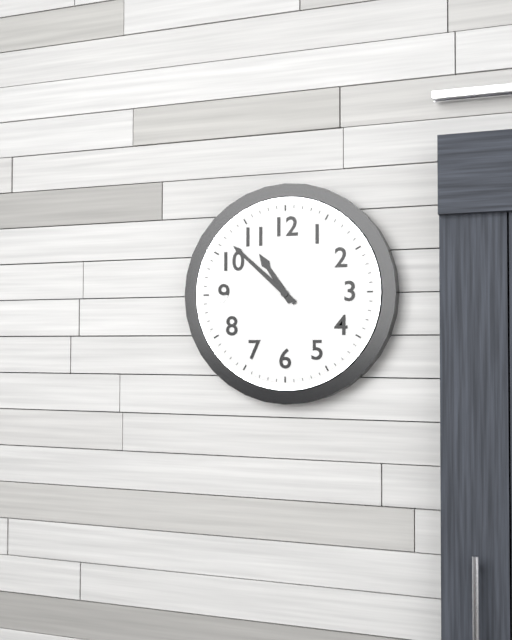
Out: 10,52
